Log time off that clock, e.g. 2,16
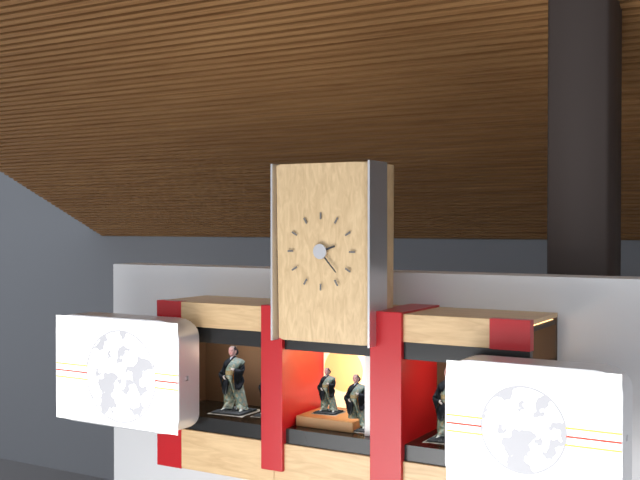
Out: 2,23
